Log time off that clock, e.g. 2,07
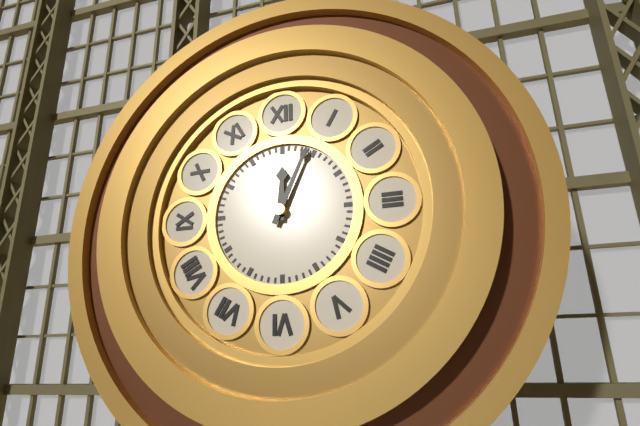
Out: 12,04
